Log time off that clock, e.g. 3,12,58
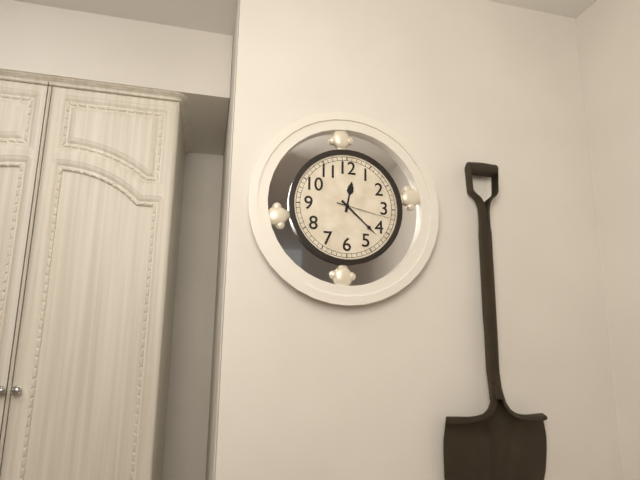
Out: 12,22,17
